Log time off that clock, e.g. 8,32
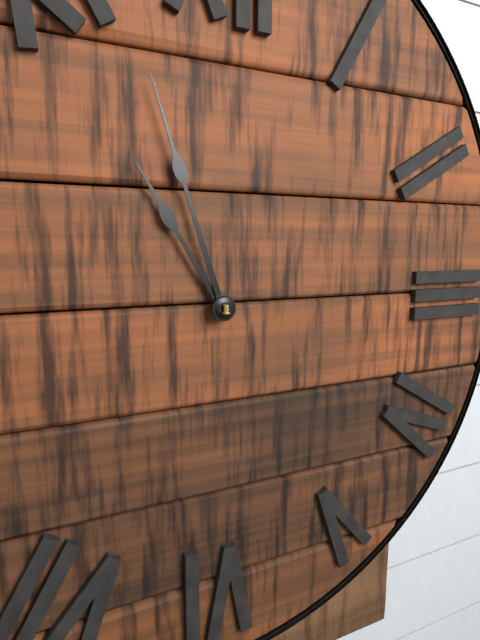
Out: 10,57
